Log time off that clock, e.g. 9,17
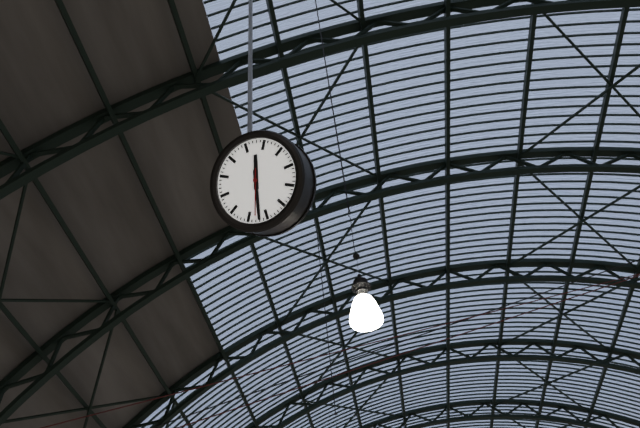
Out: 12,32
